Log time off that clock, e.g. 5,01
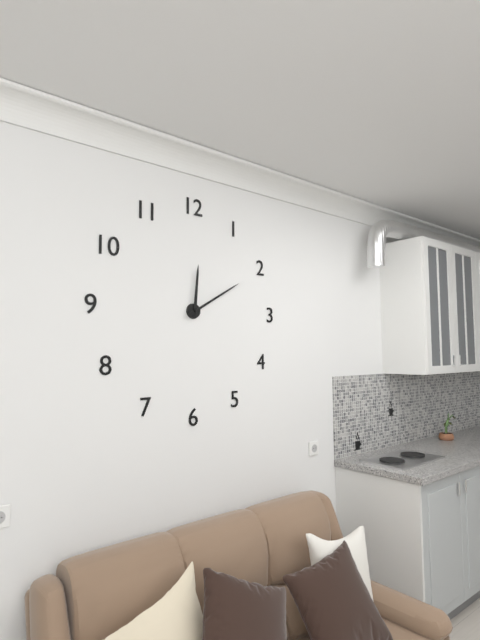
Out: 12,10
